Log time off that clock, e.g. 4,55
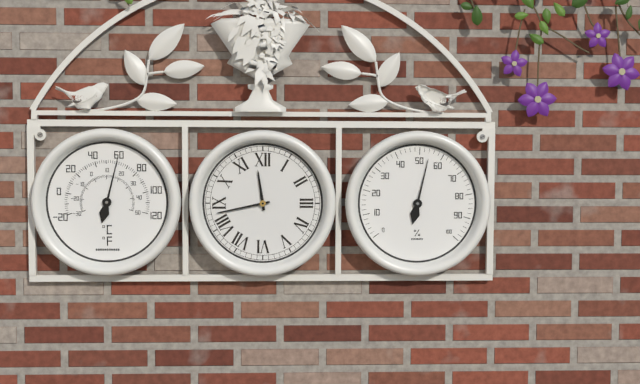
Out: 11,43
